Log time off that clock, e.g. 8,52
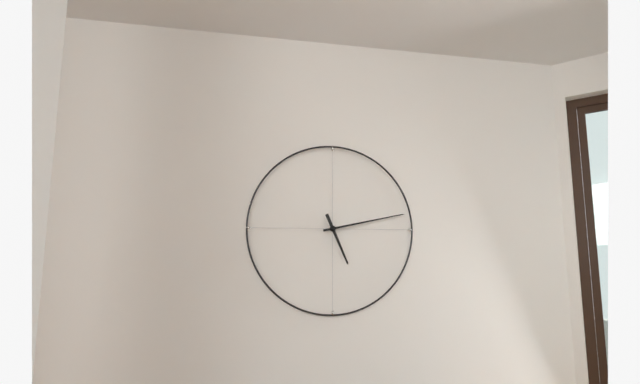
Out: 5,13
